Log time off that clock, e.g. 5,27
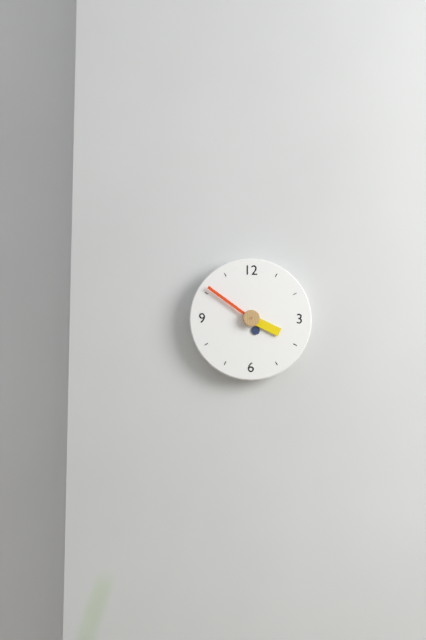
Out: 3,51
